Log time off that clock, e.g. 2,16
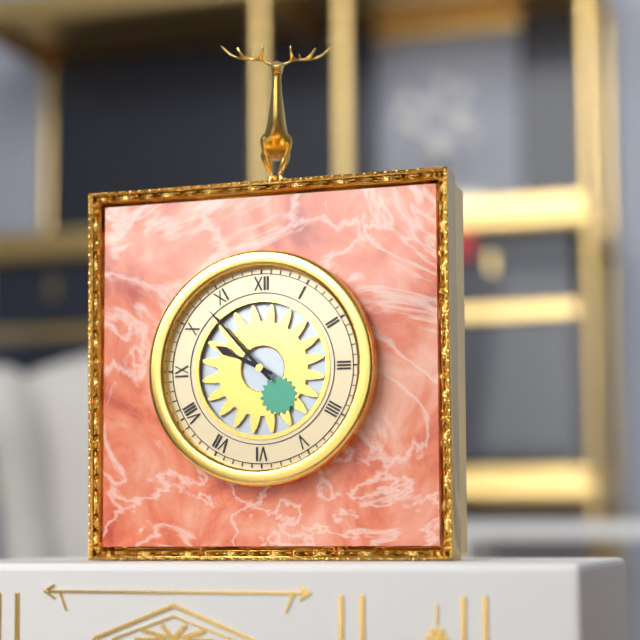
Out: 9,53
